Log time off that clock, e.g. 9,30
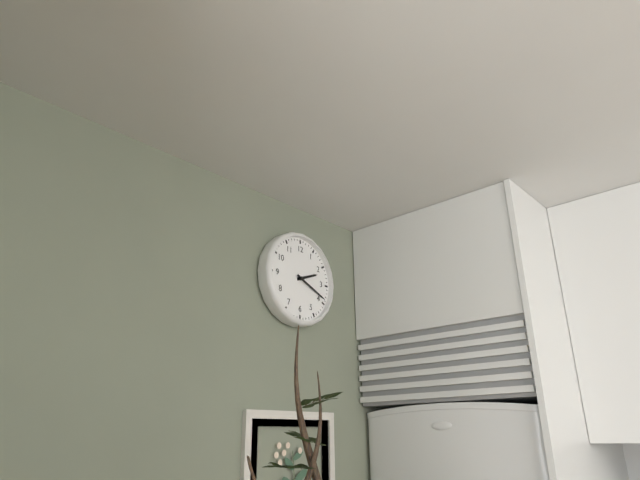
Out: 2,19
